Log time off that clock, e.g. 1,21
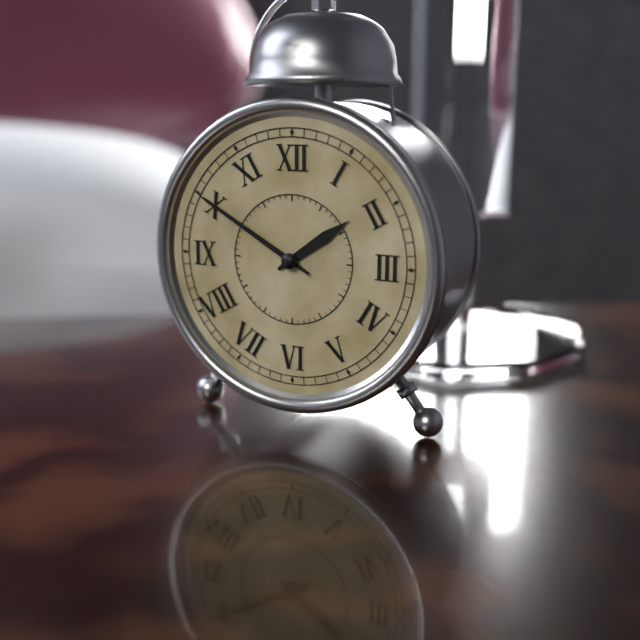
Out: 1,50
